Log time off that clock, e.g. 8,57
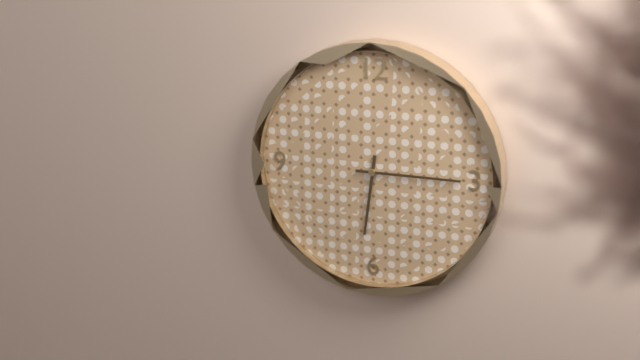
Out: 6,15
